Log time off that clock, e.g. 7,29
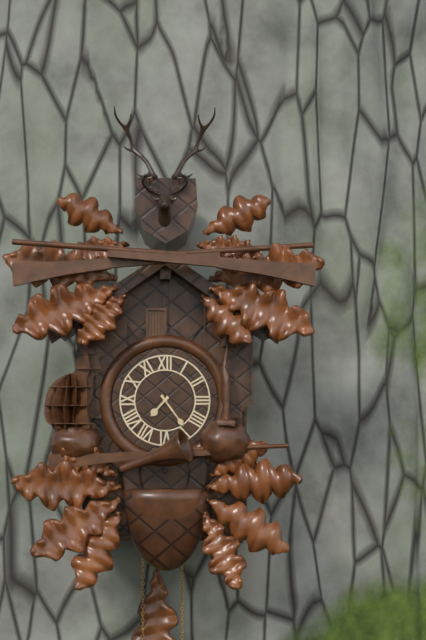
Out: 7,24
